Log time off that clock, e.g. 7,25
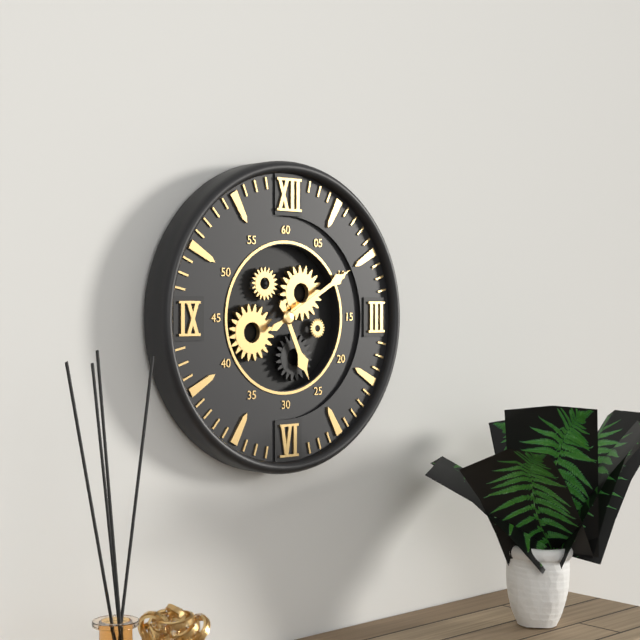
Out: 5,10
